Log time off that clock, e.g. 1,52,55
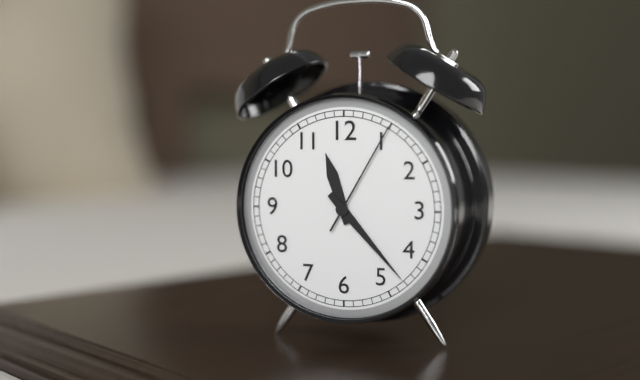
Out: 11,23,05
